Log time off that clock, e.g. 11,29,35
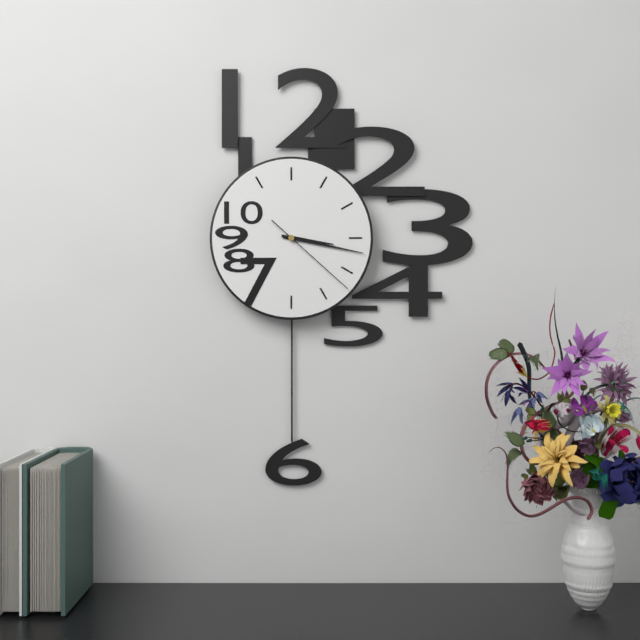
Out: 3,17,22
